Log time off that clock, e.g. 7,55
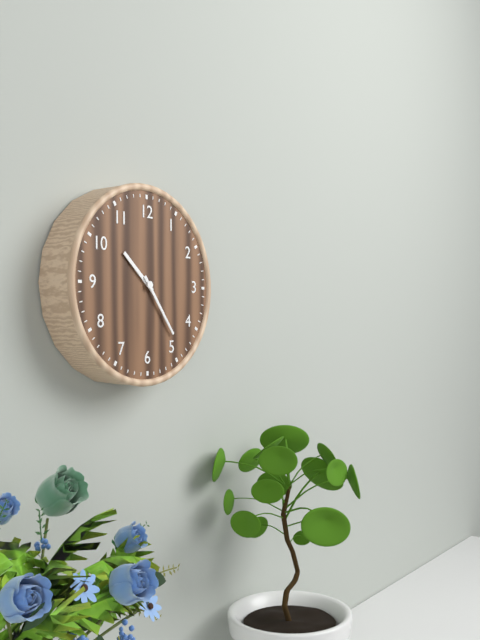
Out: 10,24
